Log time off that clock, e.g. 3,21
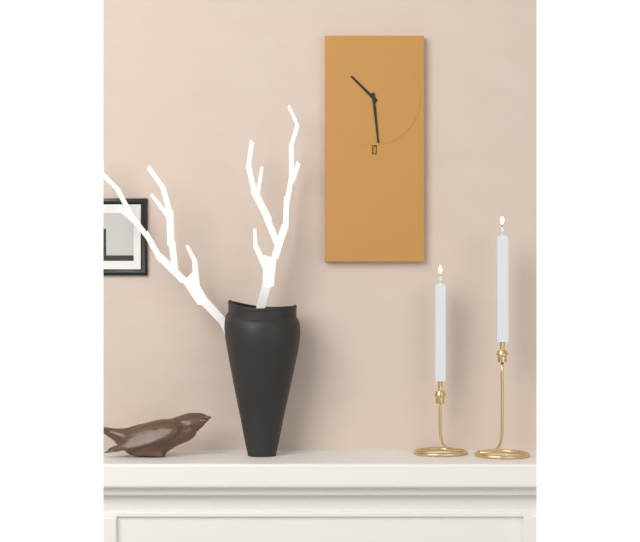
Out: 10,29
